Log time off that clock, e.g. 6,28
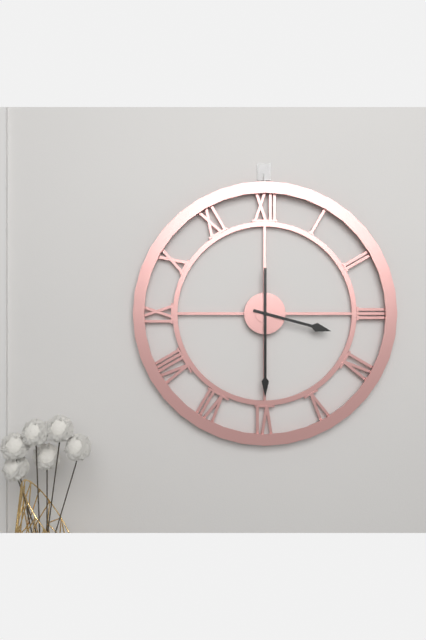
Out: 3,30
